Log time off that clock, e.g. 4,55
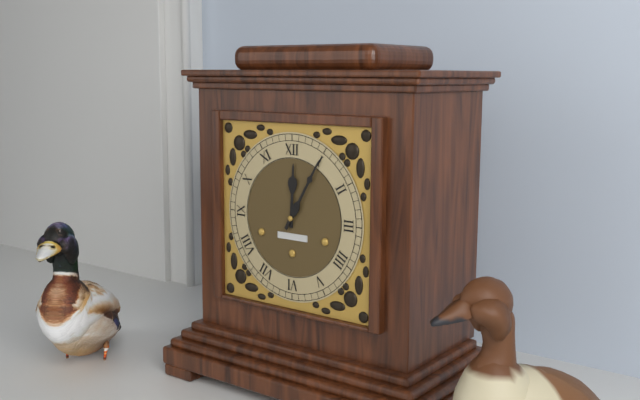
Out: 12,05
